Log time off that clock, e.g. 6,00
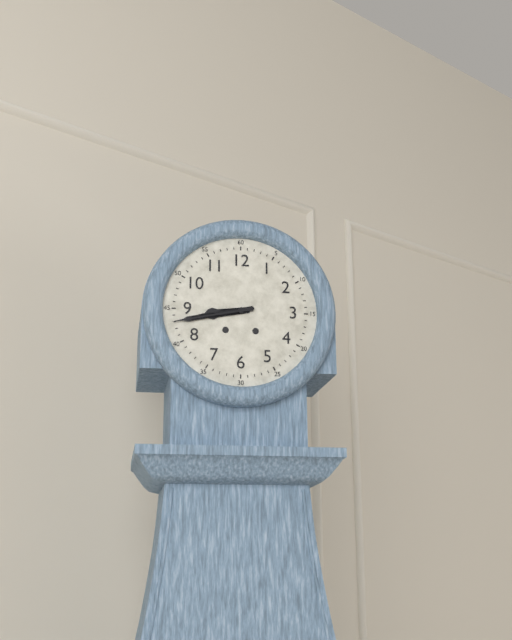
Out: 8,43
